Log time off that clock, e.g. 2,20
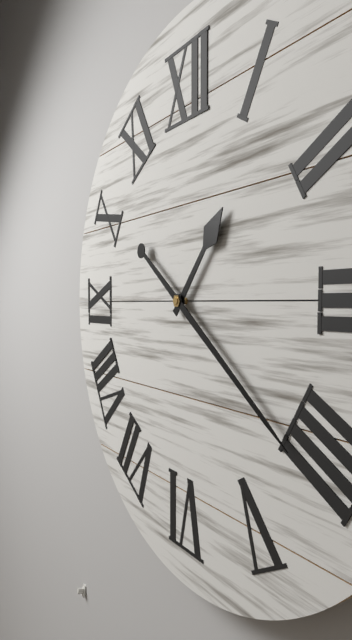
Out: 1,21
